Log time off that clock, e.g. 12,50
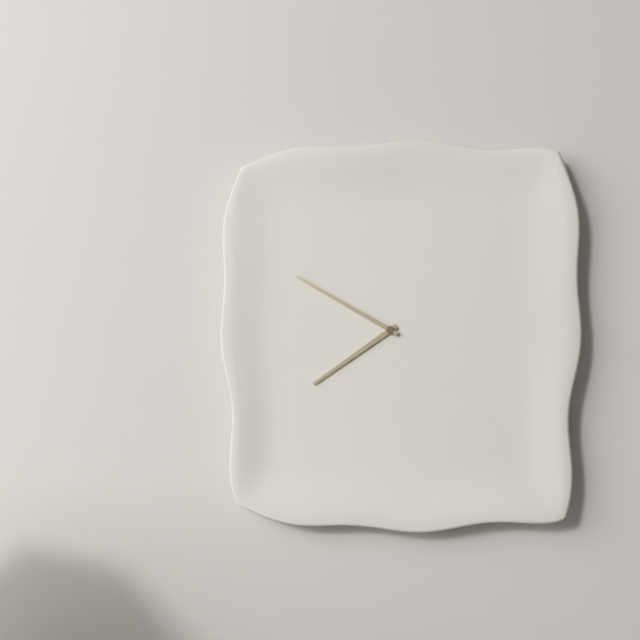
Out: 7,50
